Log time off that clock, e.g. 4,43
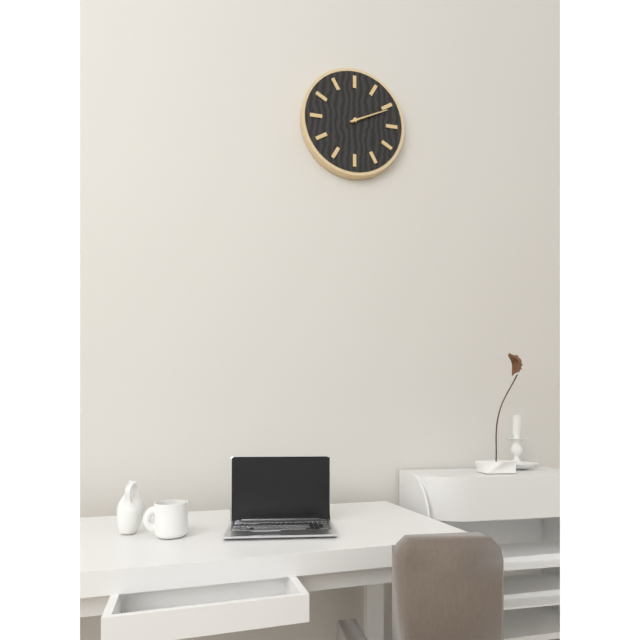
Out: 2,11
